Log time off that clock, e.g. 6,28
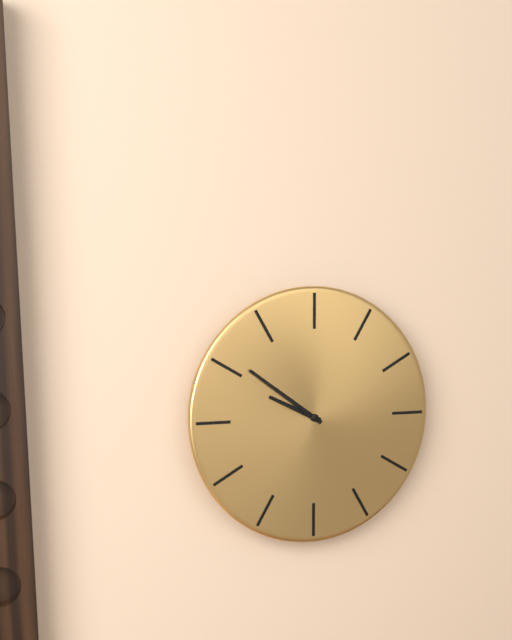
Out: 9,51
